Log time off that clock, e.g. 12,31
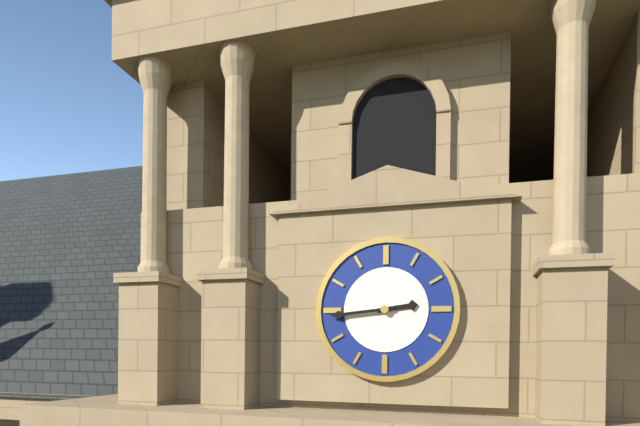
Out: 2,44
